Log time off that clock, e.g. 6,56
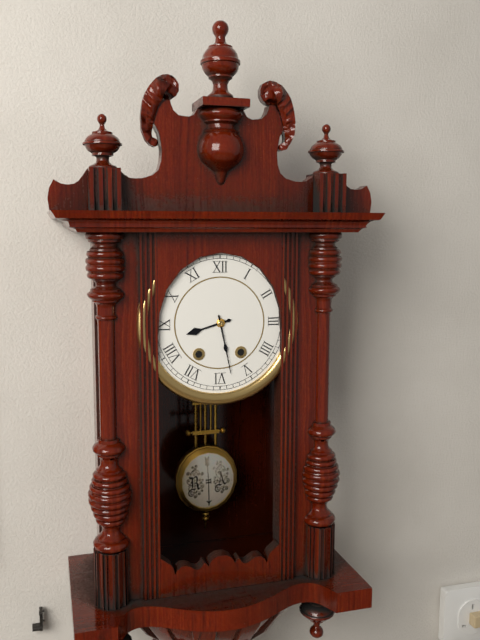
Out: 8,28
